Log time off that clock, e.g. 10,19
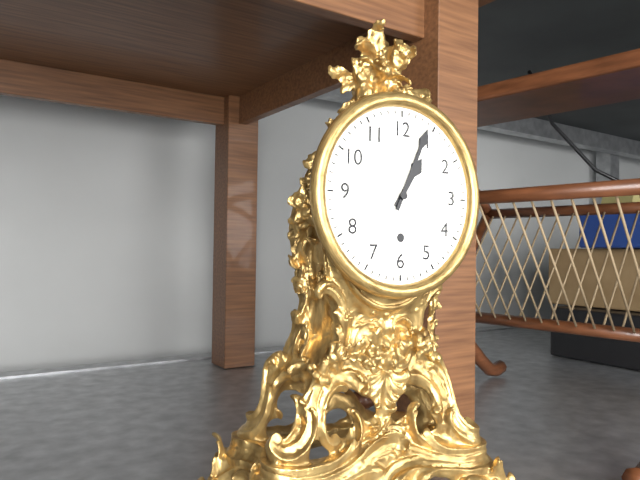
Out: 1,04
